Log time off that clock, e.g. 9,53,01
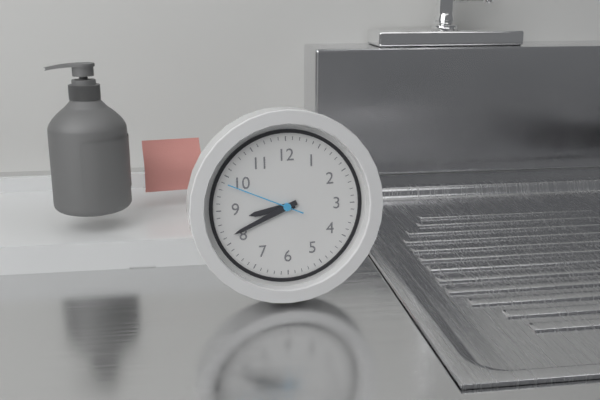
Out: 8,41,49
